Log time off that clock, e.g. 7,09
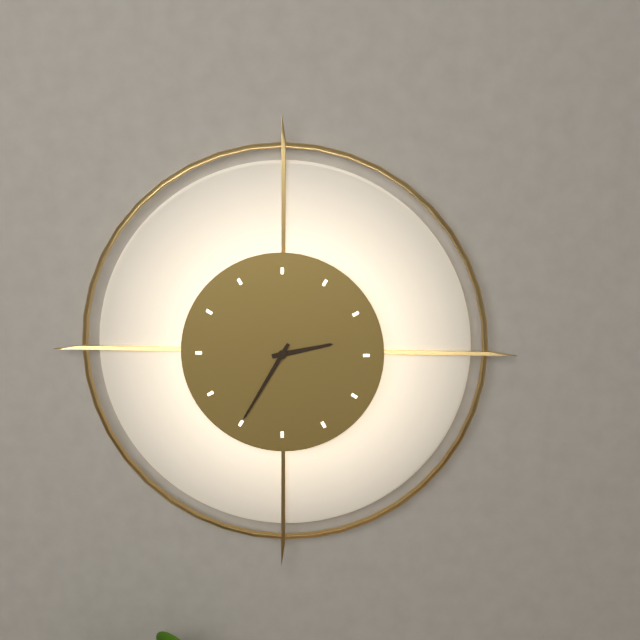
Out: 2,35
